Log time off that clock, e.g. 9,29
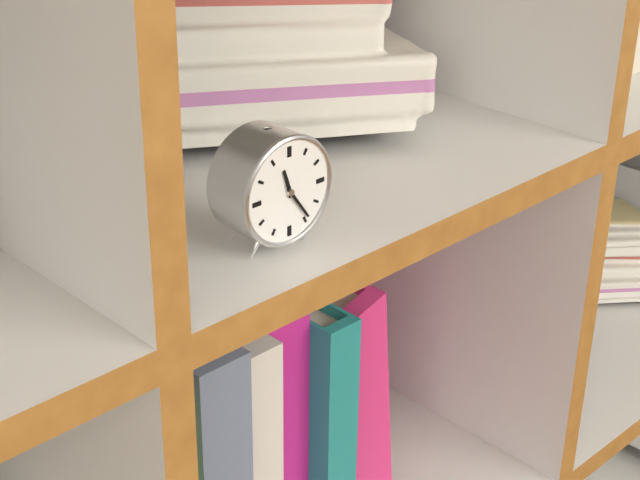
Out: 11,24
